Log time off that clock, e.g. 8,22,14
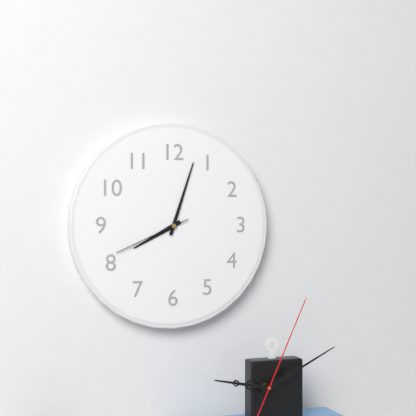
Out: 8,03,41
